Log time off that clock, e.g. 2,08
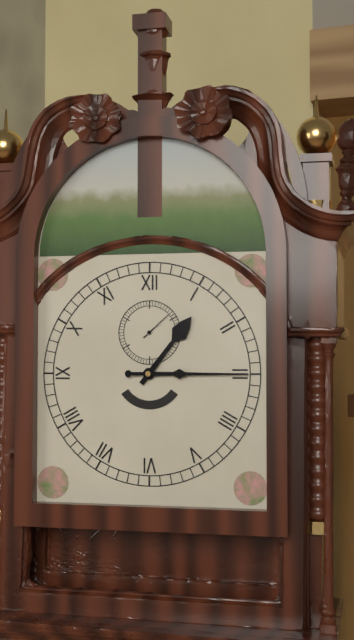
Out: 1,15
